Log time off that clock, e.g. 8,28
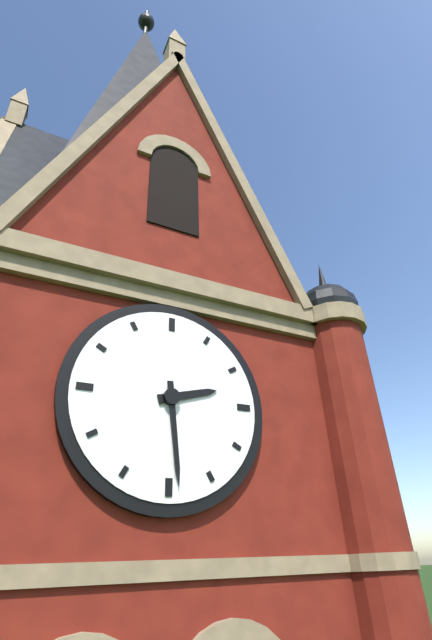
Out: 2,29
